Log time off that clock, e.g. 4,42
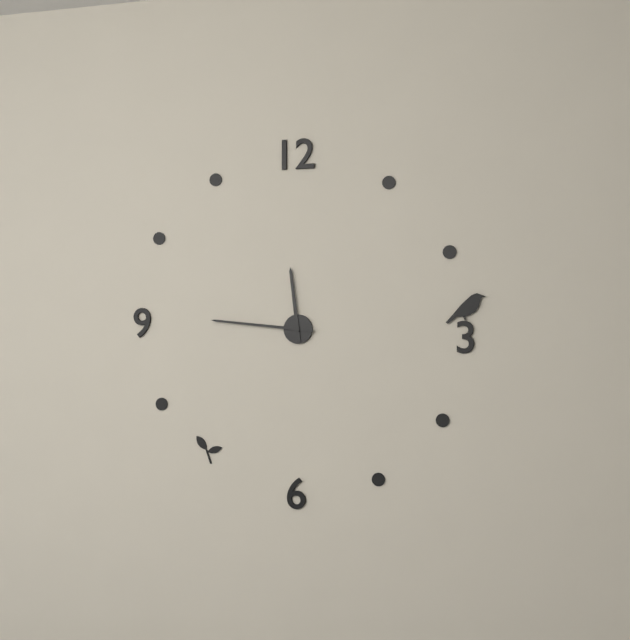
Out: 11,46
